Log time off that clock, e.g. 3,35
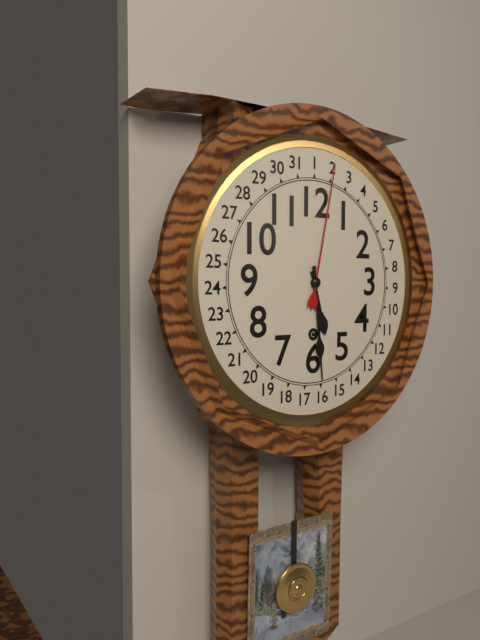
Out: 5,29
